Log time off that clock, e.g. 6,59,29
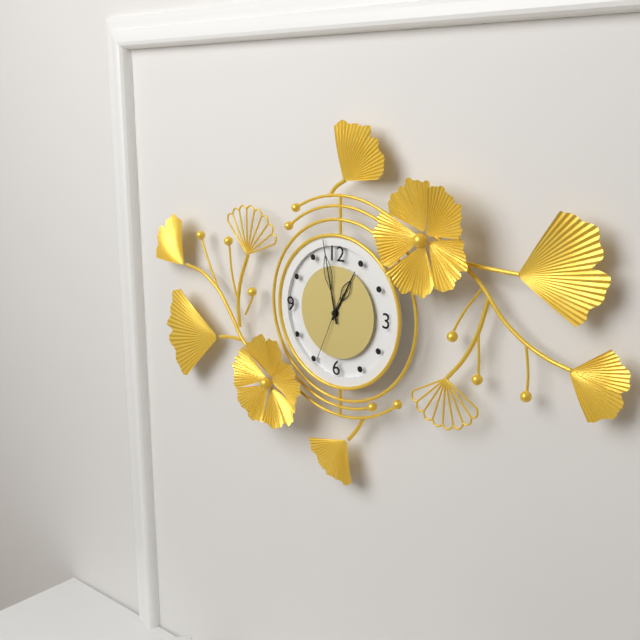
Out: 12,58,34
